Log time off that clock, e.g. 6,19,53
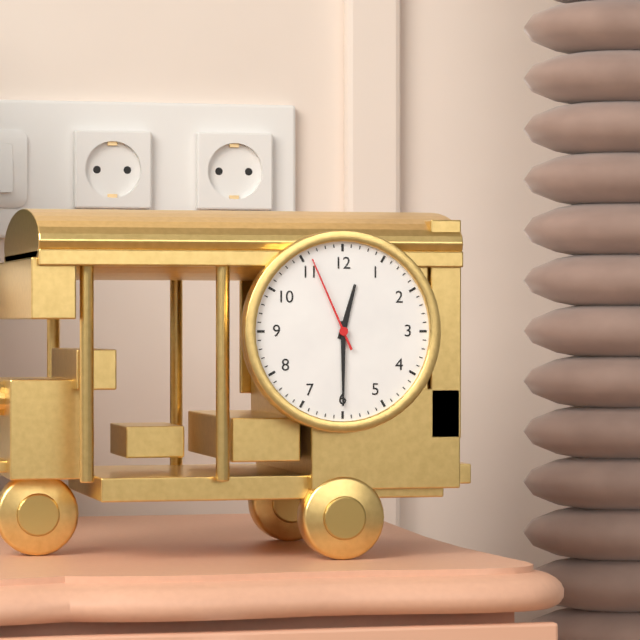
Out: 12,30,56
